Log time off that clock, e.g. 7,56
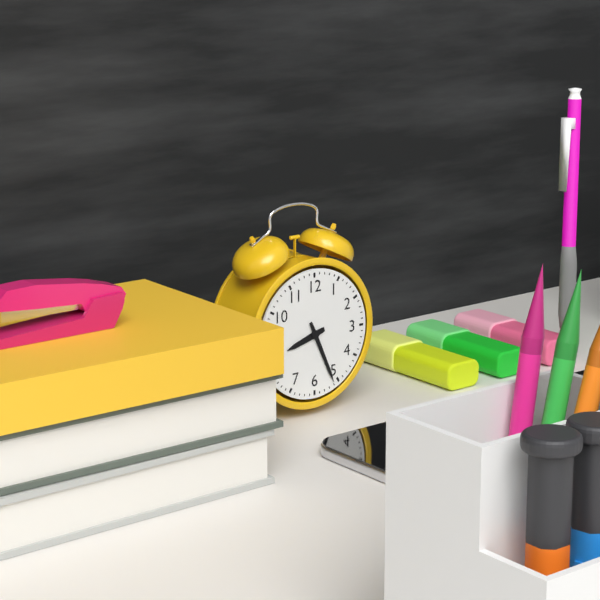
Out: 8,26
